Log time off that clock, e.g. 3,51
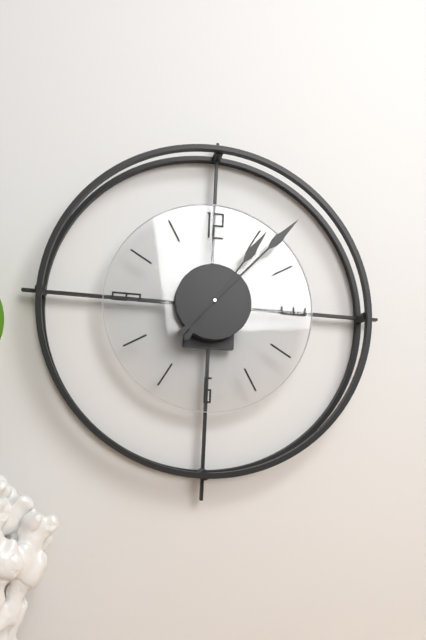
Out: 1,07
